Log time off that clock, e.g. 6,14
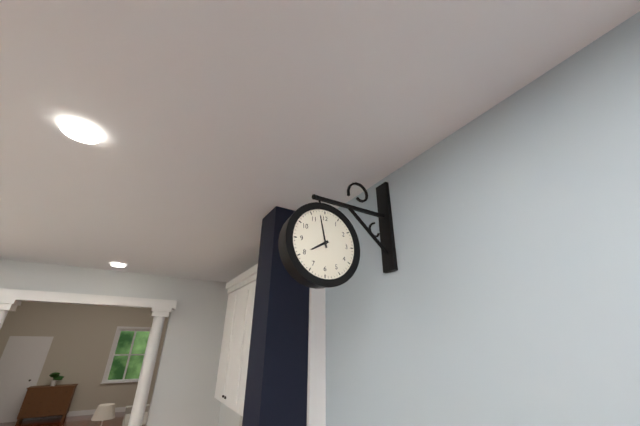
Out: 7,58
